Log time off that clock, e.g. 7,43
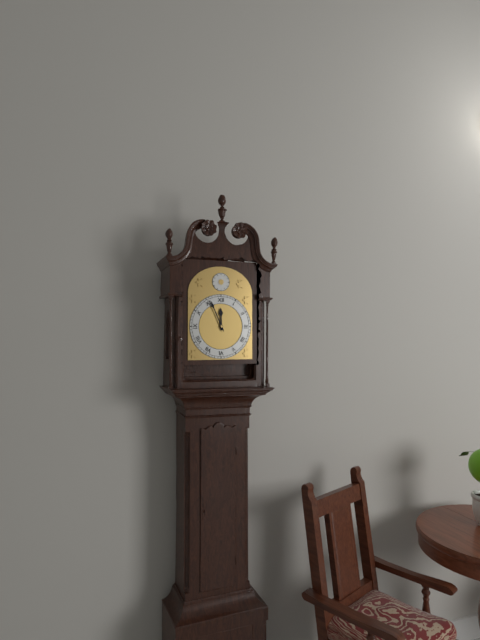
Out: 11,56
